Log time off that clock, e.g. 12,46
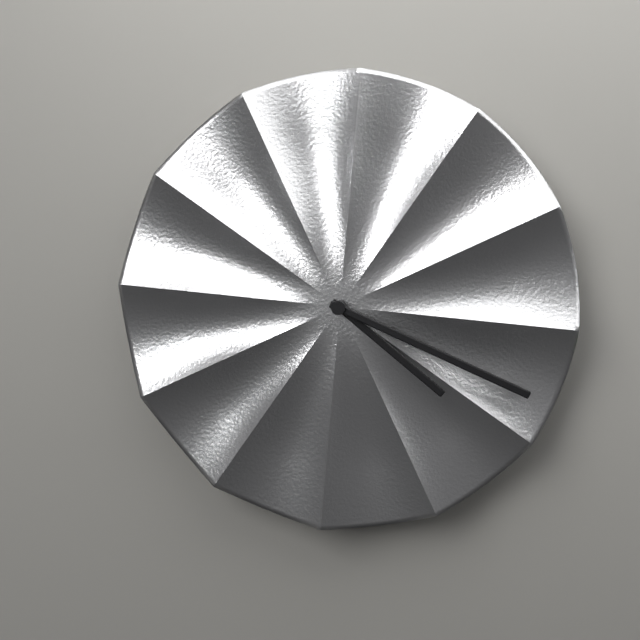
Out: 4,19
